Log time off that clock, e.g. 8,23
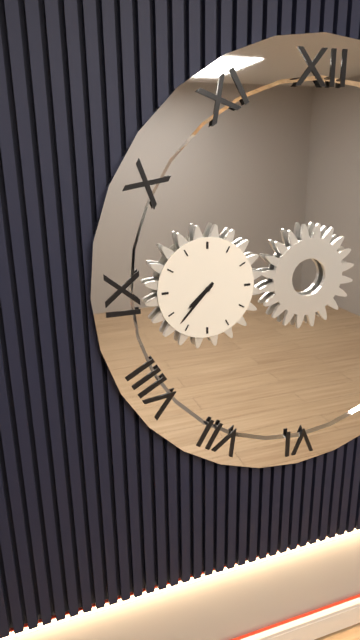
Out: 7,37
